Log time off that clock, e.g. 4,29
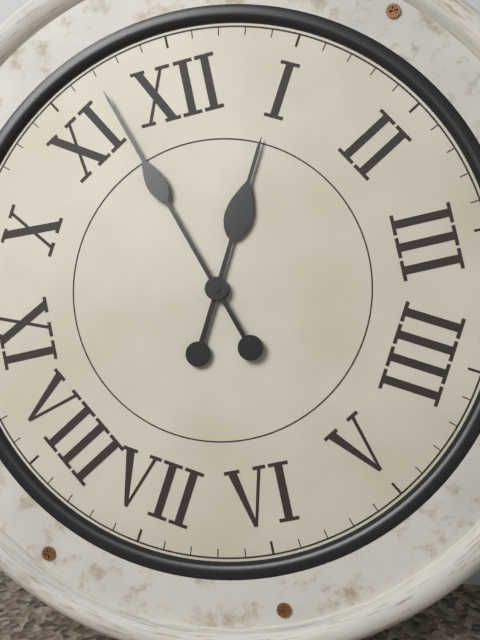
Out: 12,57
